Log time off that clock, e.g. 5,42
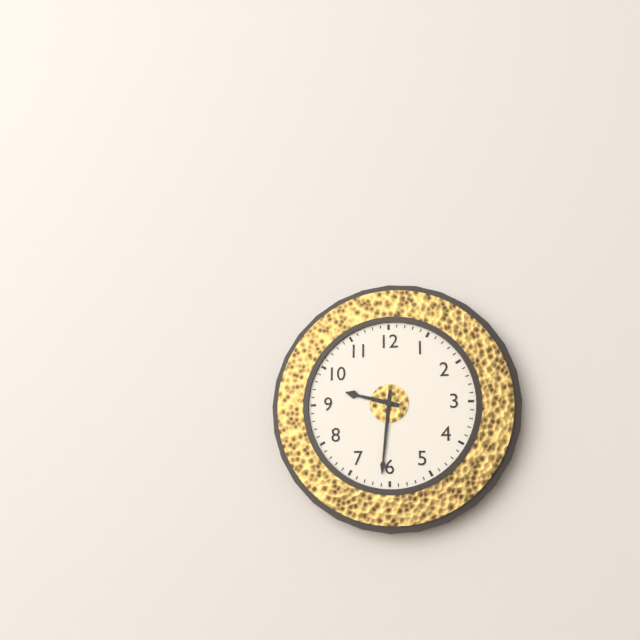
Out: 9,31
